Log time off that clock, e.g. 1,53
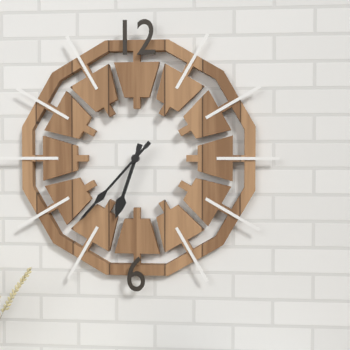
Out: 6,37
